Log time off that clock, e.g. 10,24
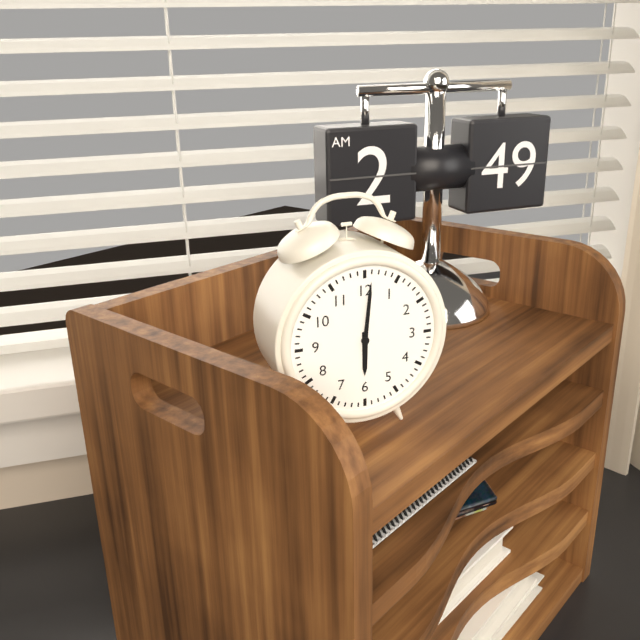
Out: 6,01
